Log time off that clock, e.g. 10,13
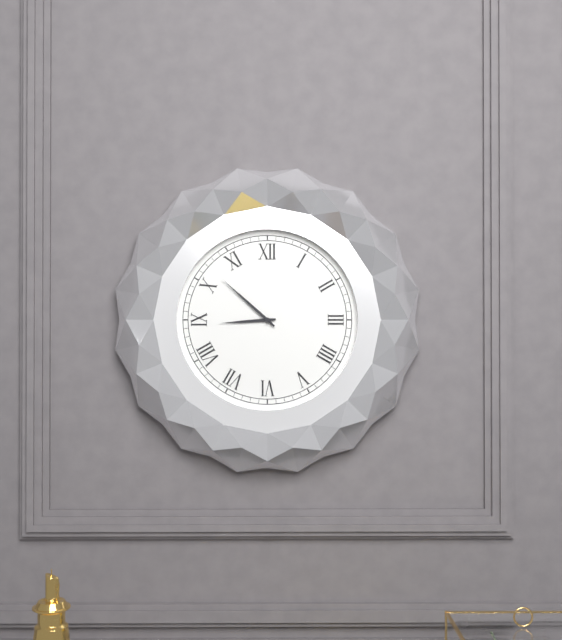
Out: 8,52
